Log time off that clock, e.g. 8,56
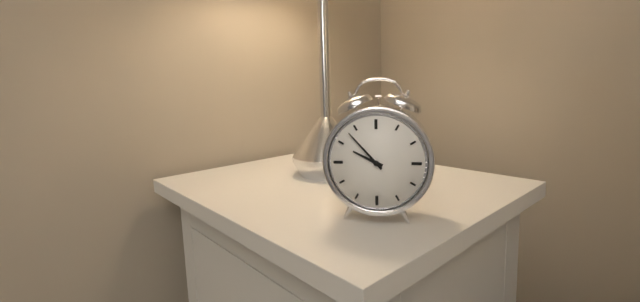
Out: 9,53
